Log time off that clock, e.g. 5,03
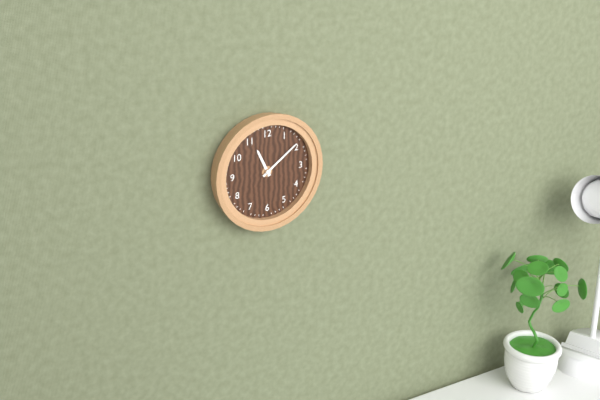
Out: 11,09
